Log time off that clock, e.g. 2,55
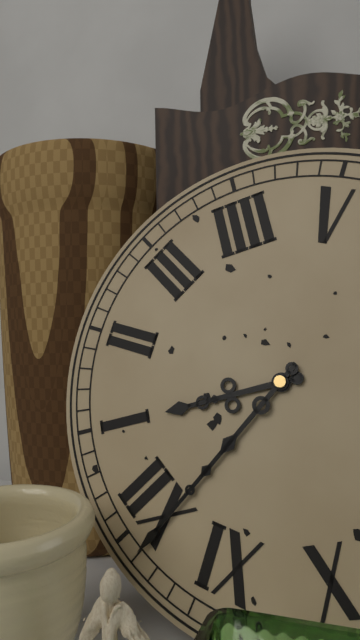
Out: 12,59
